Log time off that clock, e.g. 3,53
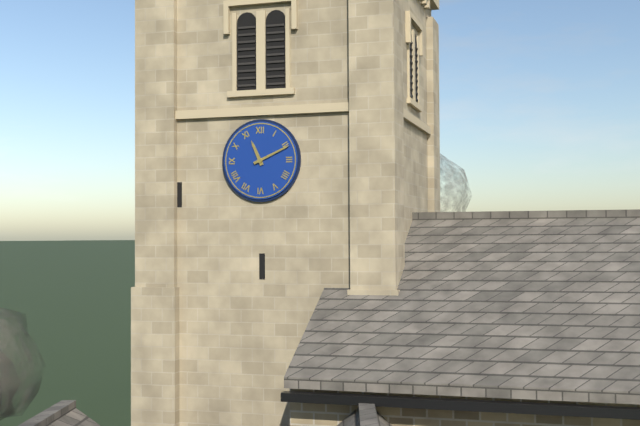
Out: 11,11
